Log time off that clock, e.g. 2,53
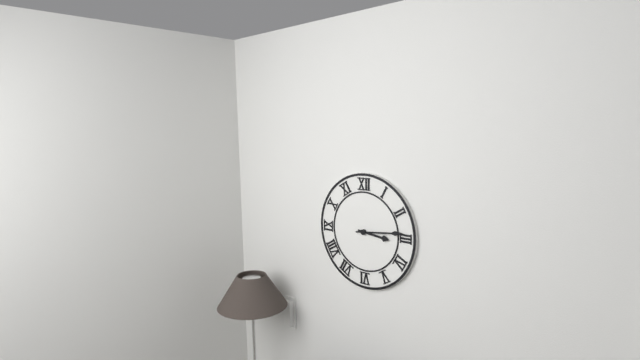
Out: 3,14
